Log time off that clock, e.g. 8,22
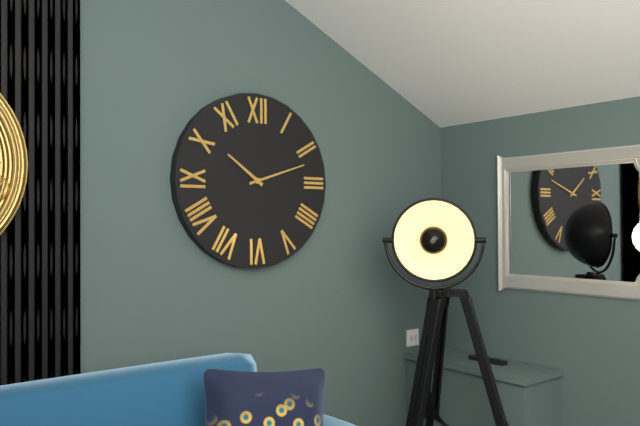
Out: 10,12
